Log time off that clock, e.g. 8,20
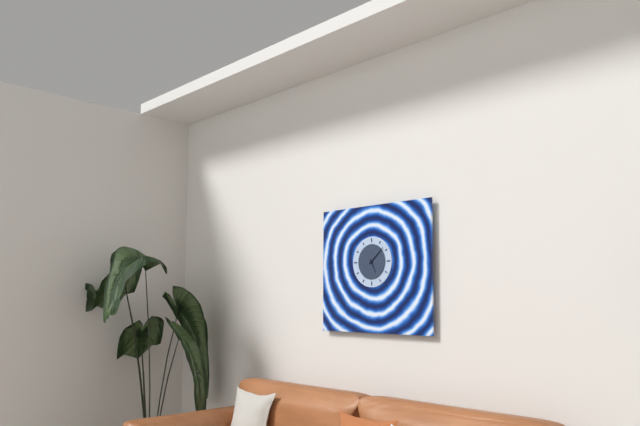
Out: 5,08
